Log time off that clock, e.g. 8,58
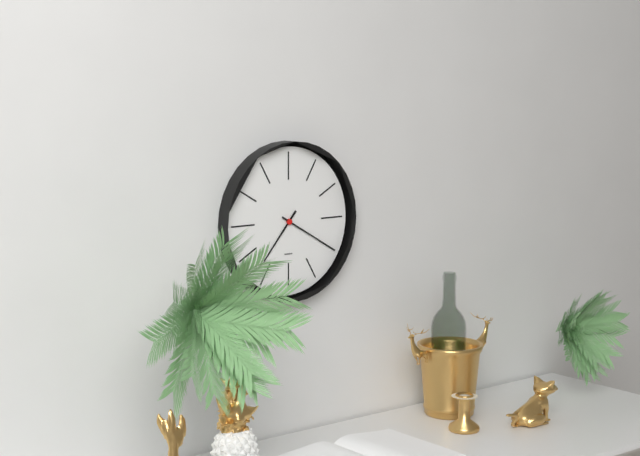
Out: 7,20
